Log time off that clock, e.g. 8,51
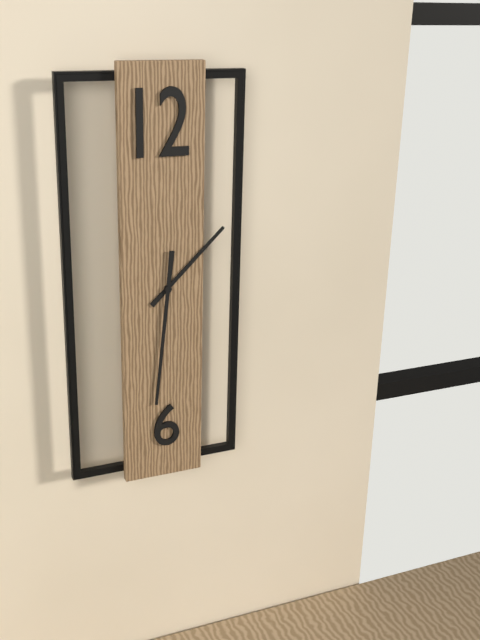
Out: 1,31
